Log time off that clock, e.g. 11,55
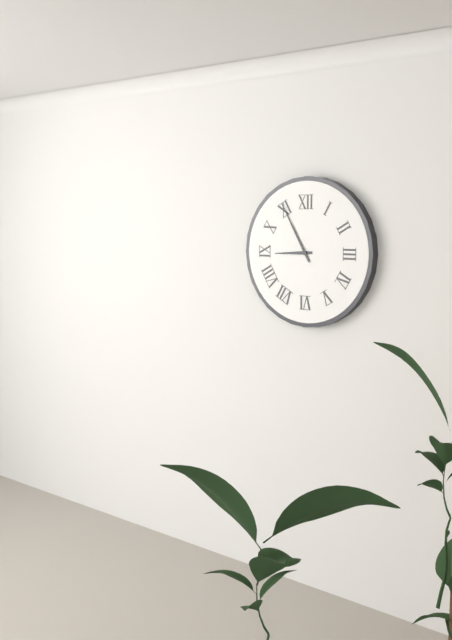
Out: 8,55
